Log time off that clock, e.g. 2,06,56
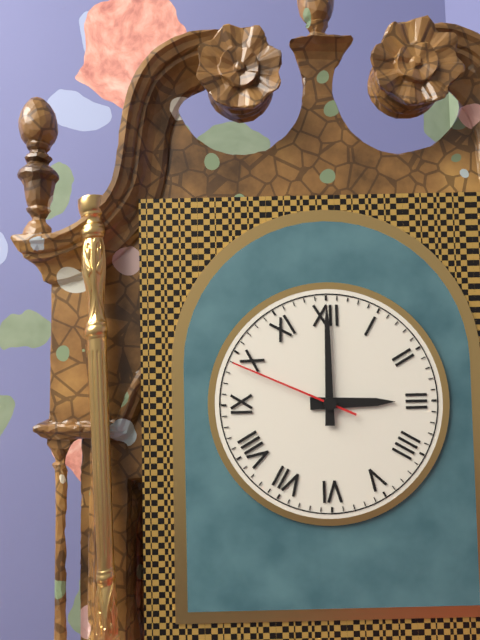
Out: 3,00,49
